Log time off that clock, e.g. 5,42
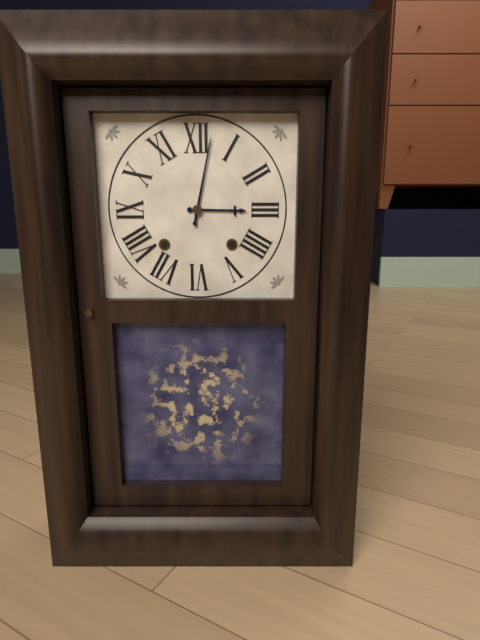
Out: 3,02
